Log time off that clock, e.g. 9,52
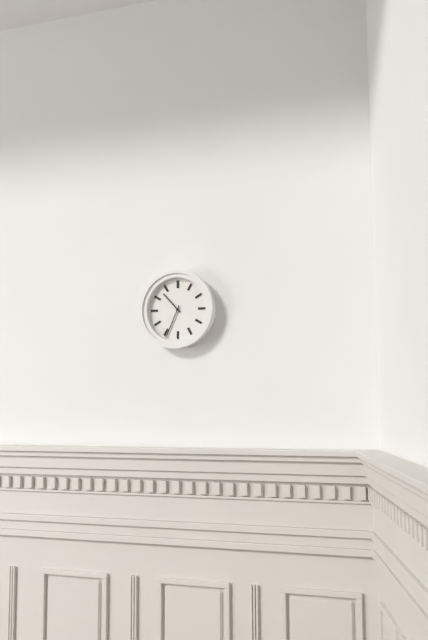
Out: 10,34
